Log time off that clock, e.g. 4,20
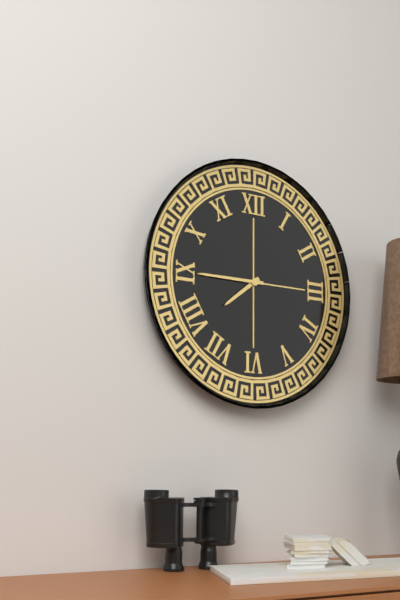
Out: 7,45
